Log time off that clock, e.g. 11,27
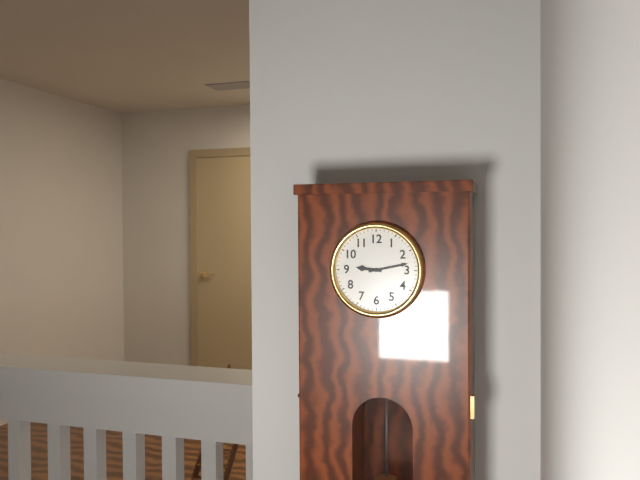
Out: 9,13
